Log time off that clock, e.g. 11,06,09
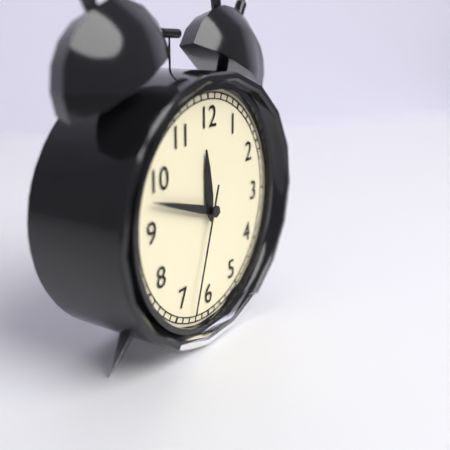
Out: 11,48,33
